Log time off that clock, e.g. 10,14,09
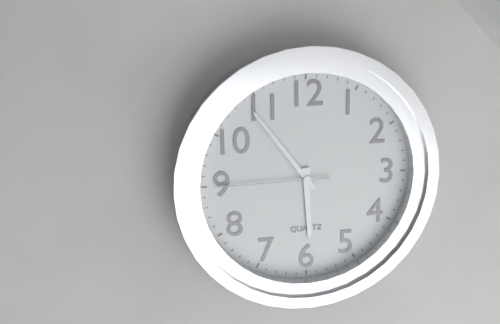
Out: 5,54,45
